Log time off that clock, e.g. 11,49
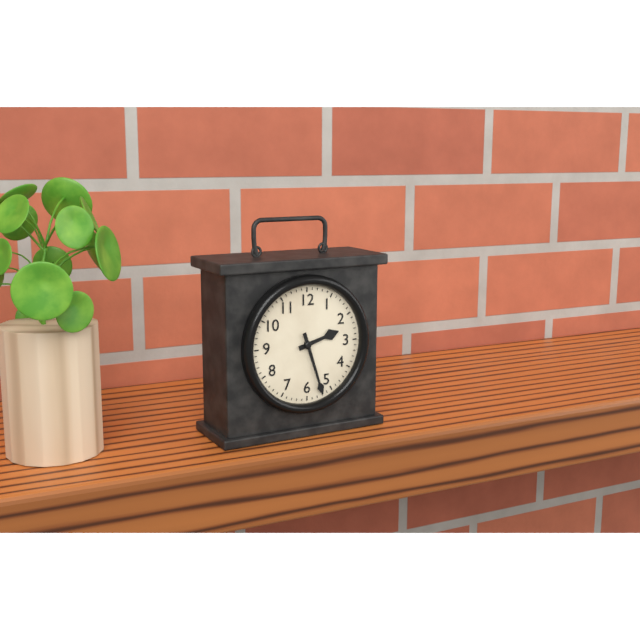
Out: 2,27
